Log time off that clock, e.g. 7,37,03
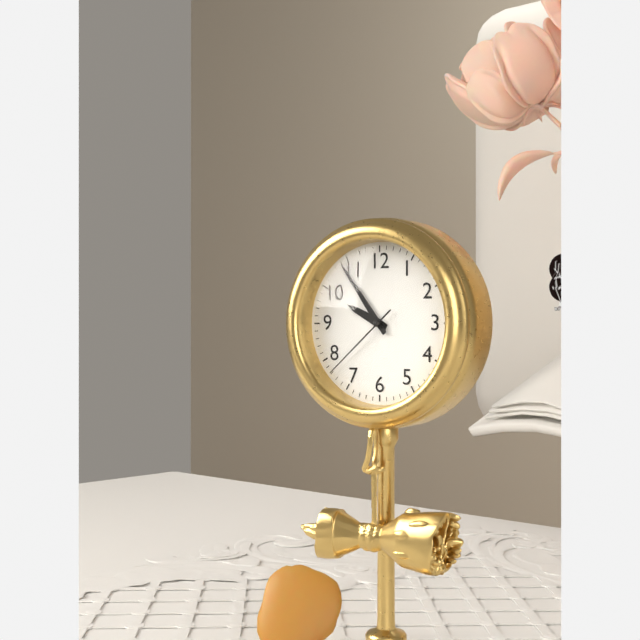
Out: 9,54,38
